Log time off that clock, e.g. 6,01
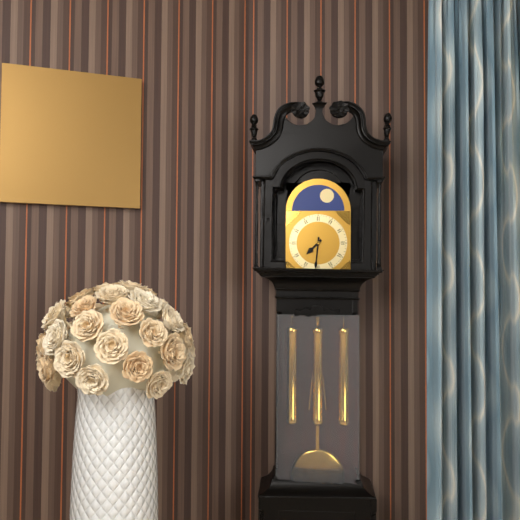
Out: 7,31
